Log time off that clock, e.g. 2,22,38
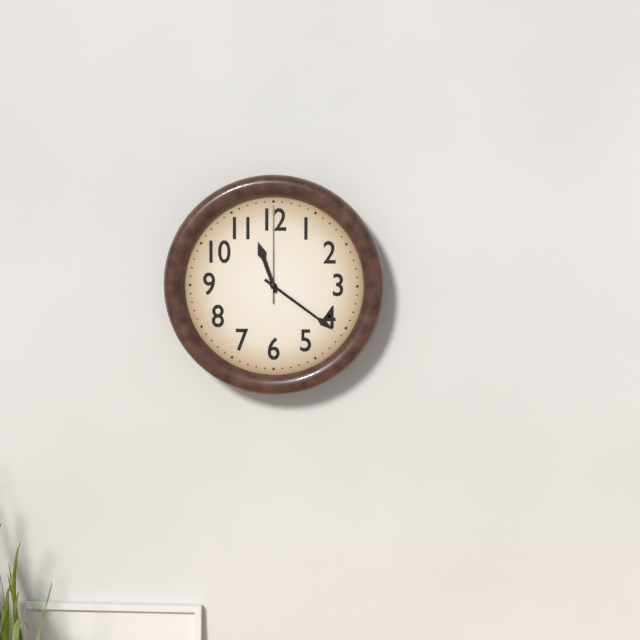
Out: 11,21,00
